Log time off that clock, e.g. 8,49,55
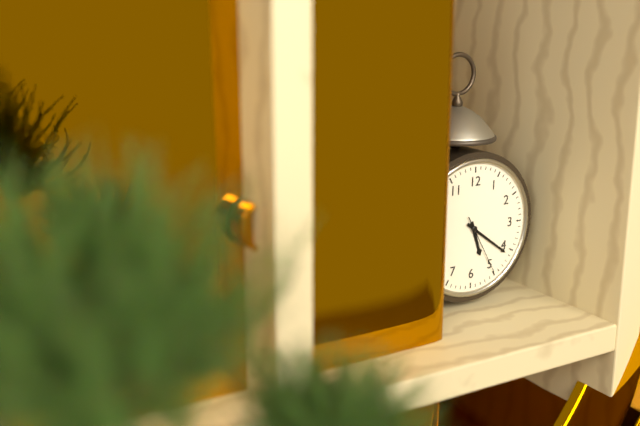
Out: 5,21,25
